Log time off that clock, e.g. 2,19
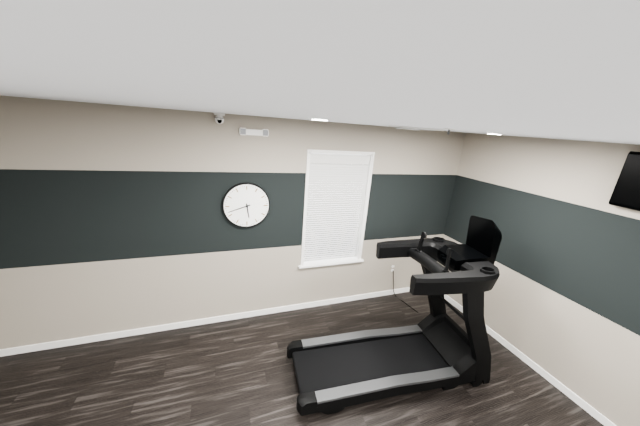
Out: 5,42
